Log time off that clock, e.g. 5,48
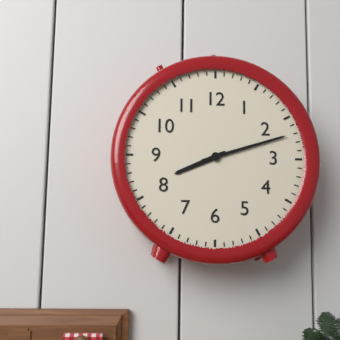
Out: 8,12
